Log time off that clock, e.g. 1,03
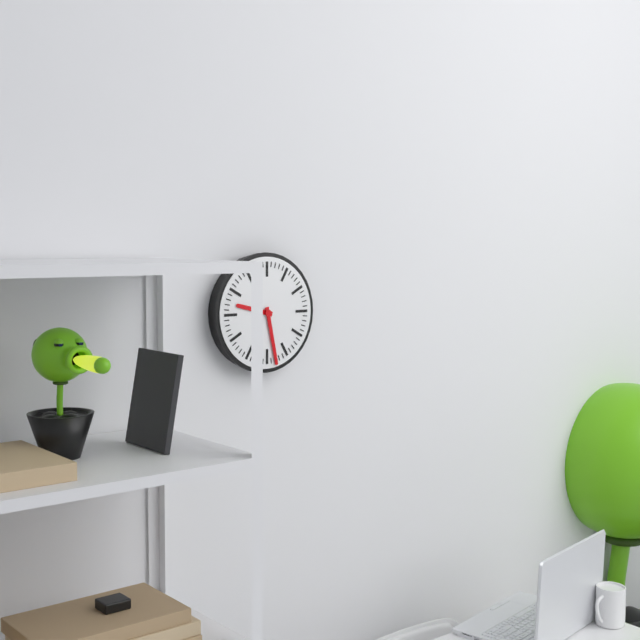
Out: 9,28
